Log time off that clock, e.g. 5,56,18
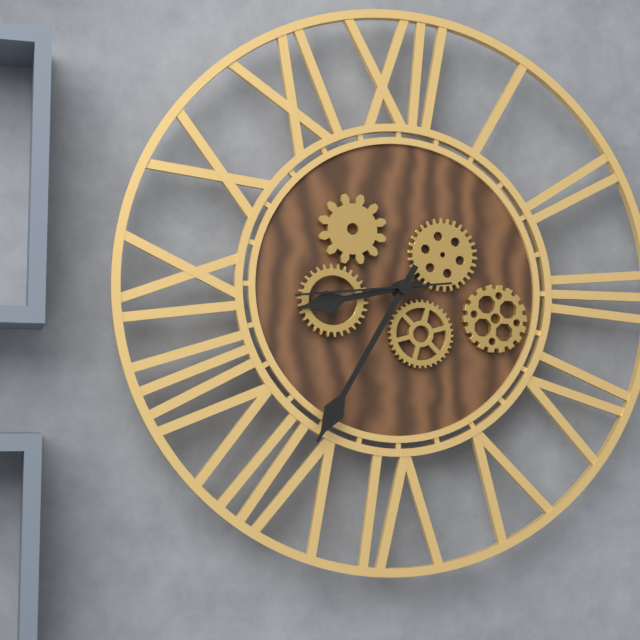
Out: 8,35,44
